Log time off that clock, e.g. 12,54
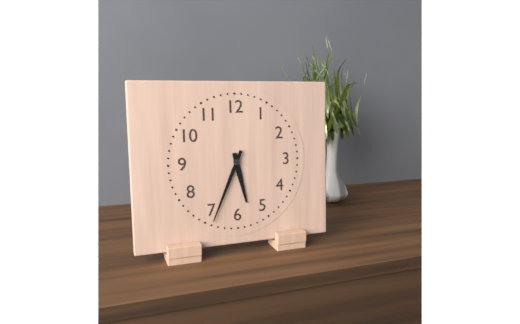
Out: 5,34
